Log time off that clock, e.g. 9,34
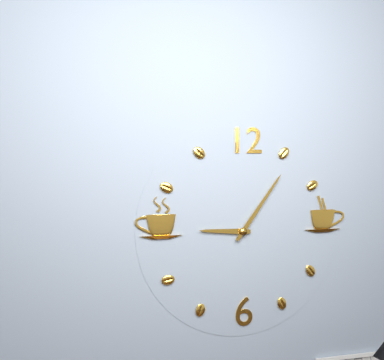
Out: 9,06
